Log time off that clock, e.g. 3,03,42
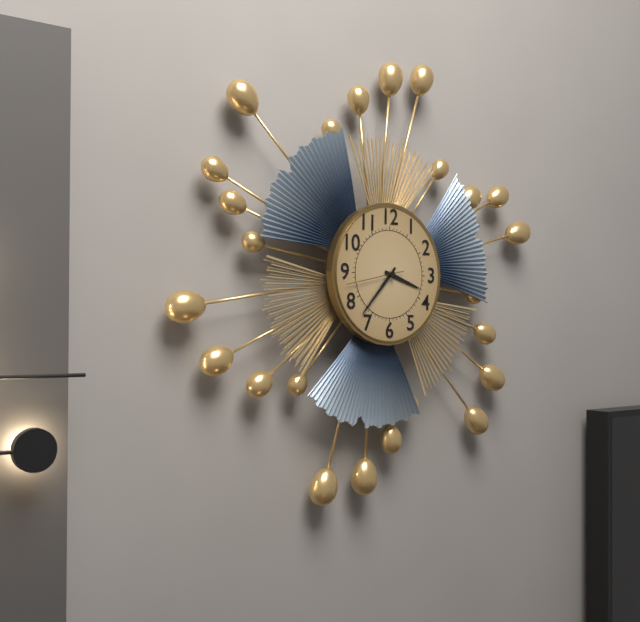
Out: 3,37,43
